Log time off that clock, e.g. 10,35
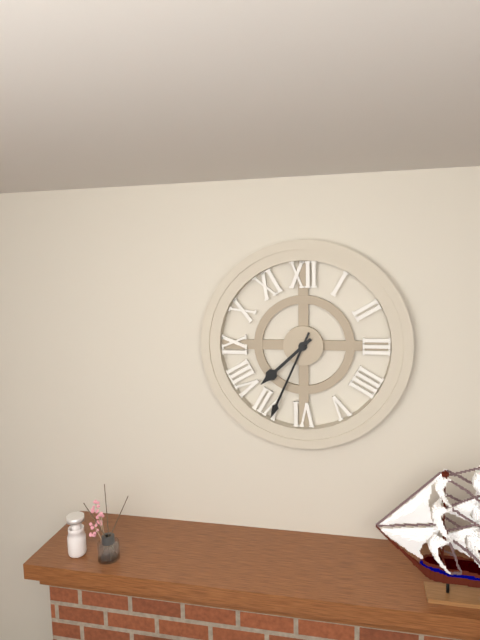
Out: 7,34
